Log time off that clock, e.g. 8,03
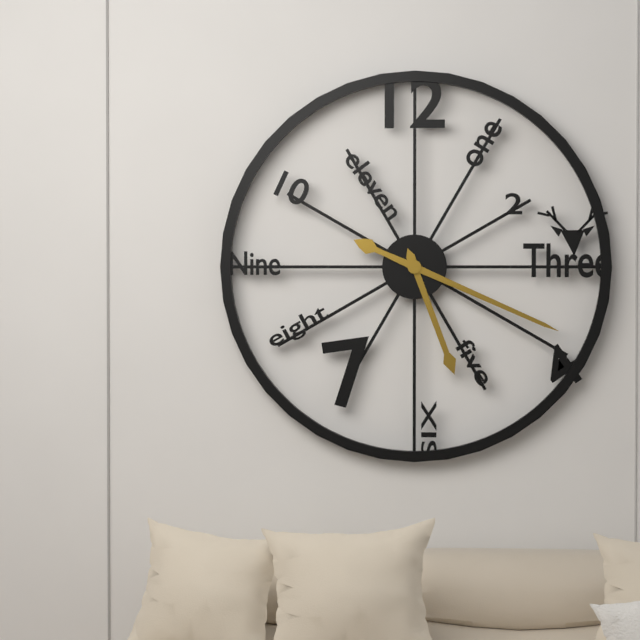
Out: 5,19
